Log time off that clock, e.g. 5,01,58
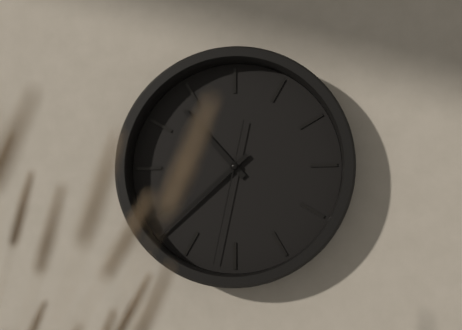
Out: 10,38,32
